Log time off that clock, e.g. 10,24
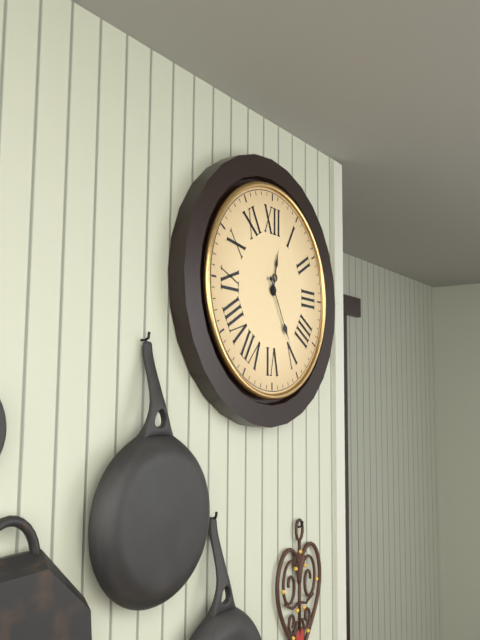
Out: 12,25
